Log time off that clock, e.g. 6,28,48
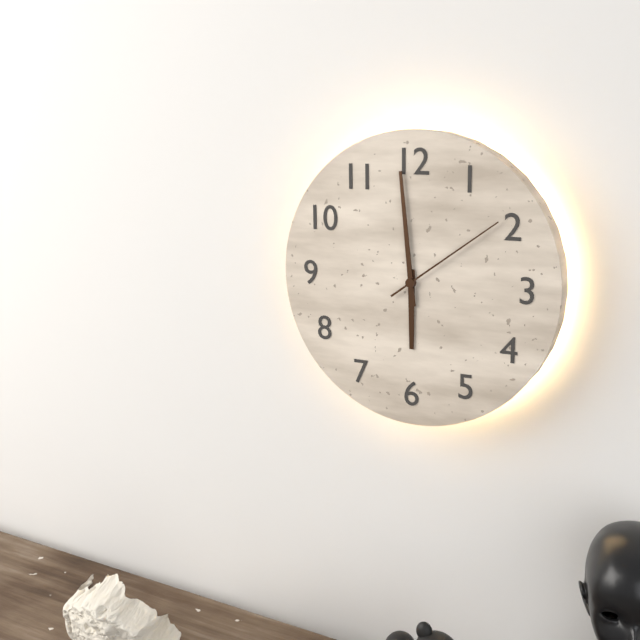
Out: 5,59,09
